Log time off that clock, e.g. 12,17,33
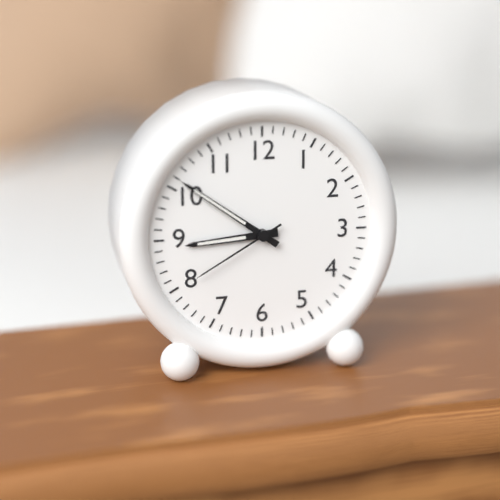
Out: 8,51,40
